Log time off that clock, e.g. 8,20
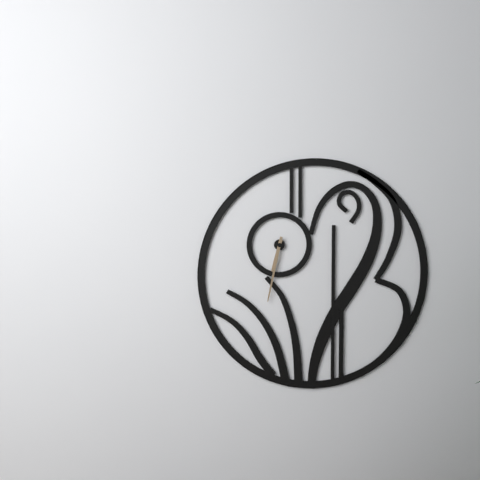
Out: 6,32
